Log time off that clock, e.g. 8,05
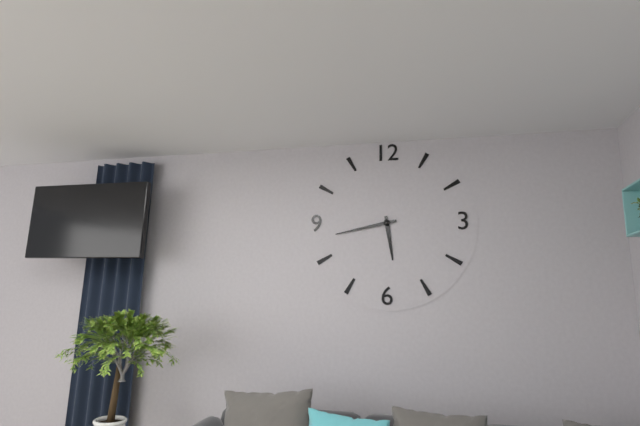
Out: 5,43
